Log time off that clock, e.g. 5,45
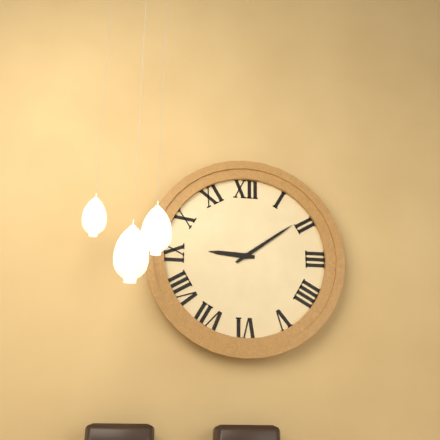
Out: 9,09
